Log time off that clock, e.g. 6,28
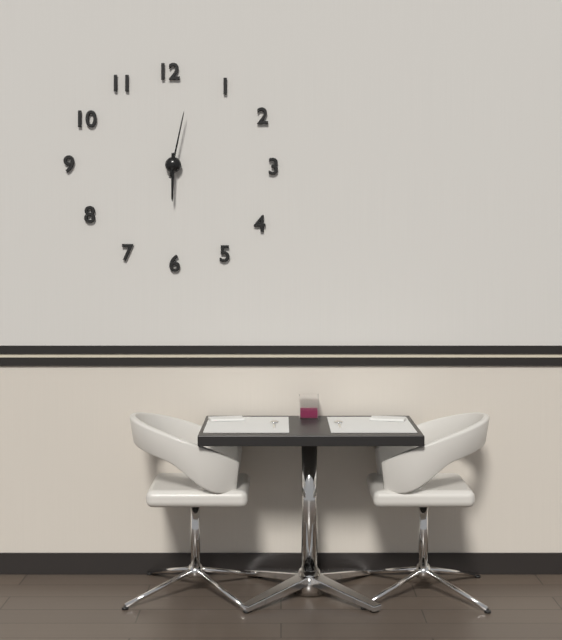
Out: 6,02
